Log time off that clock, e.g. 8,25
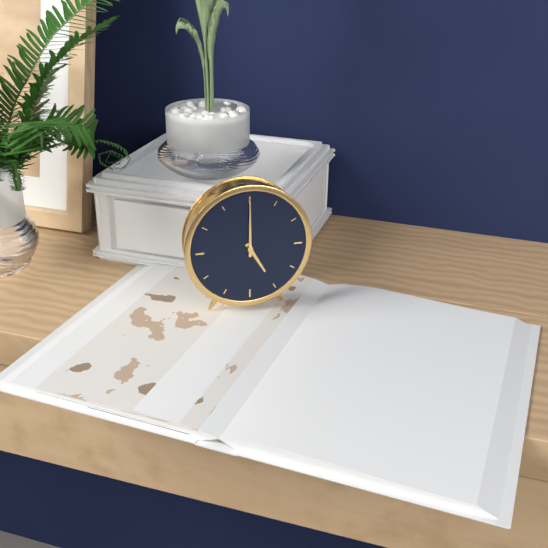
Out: 5,00
